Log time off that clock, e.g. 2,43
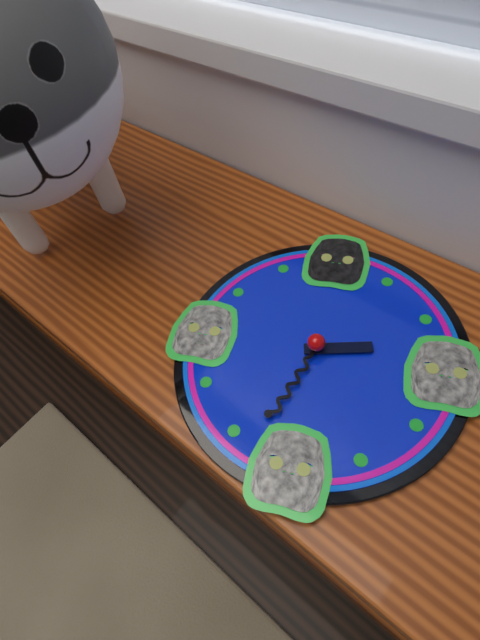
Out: 2,33
